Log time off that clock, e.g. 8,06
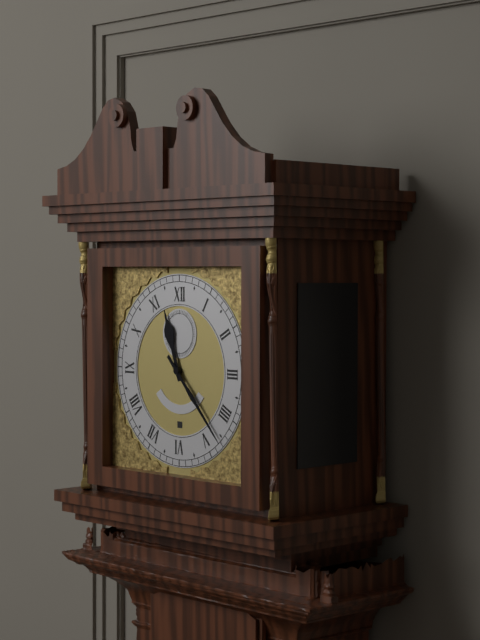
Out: 11,23
